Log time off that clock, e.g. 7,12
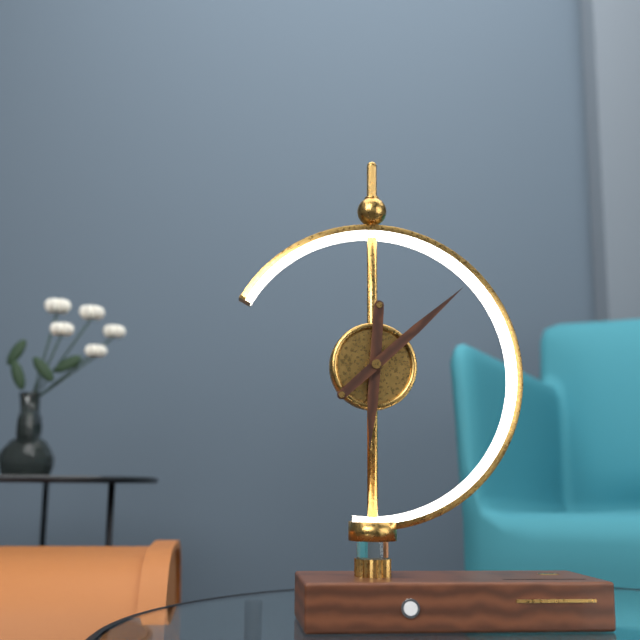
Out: 6,08
